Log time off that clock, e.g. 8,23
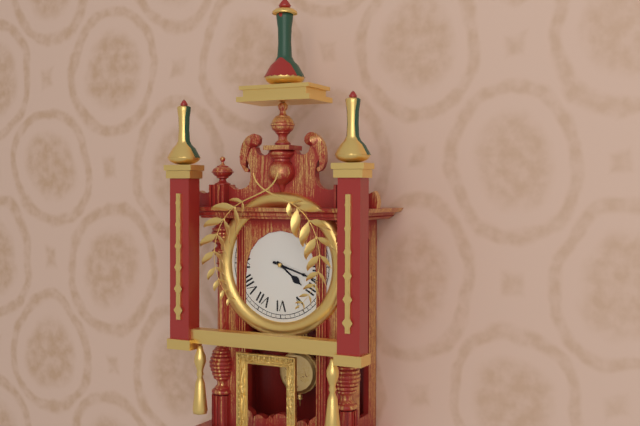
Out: 4,18
